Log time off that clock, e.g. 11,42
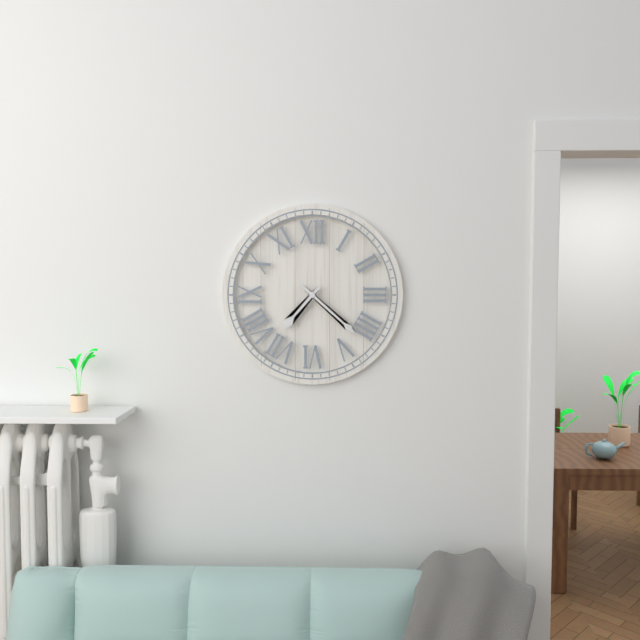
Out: 7,22
